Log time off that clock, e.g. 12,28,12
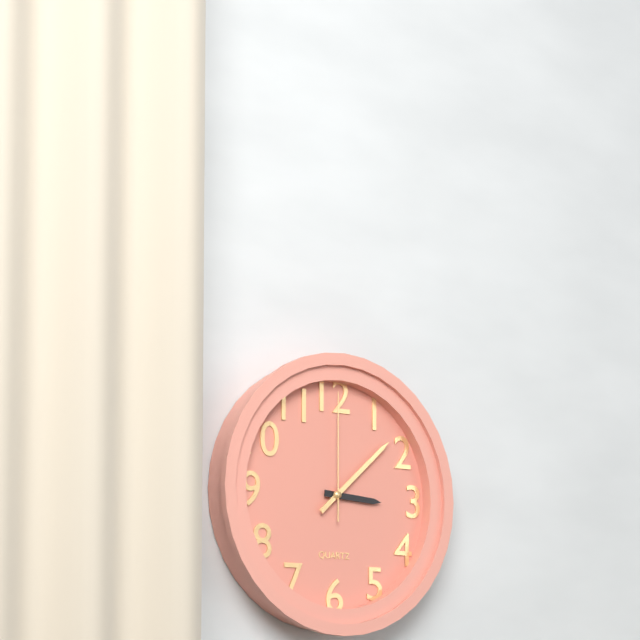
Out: 3,08,00
